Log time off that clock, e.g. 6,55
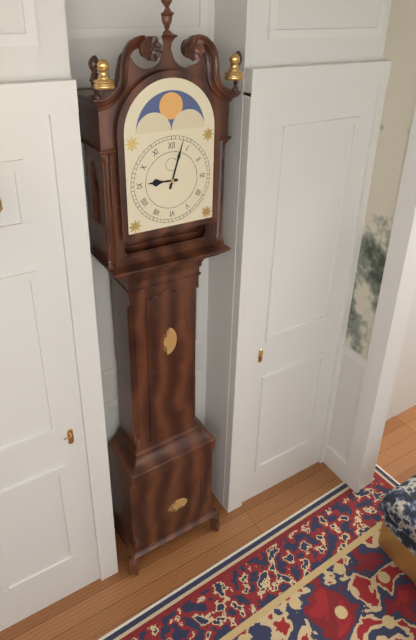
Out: 9,03
